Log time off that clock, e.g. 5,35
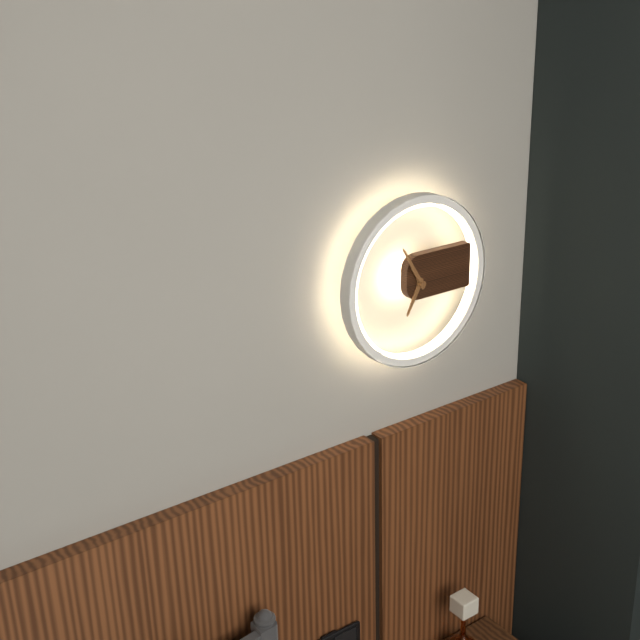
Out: 6,55
